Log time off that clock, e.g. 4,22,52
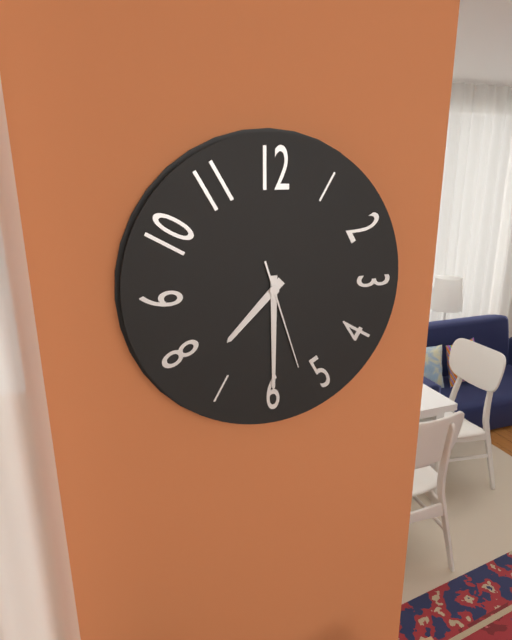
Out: 7,30,27
